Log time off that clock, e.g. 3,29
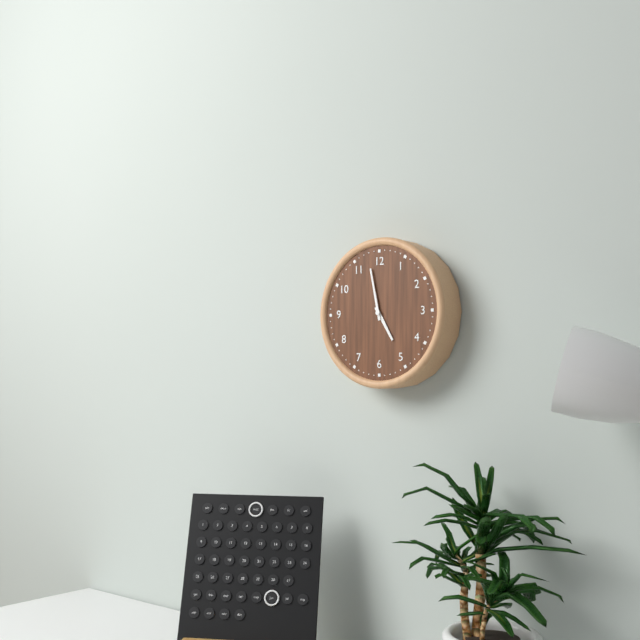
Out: 4,58
